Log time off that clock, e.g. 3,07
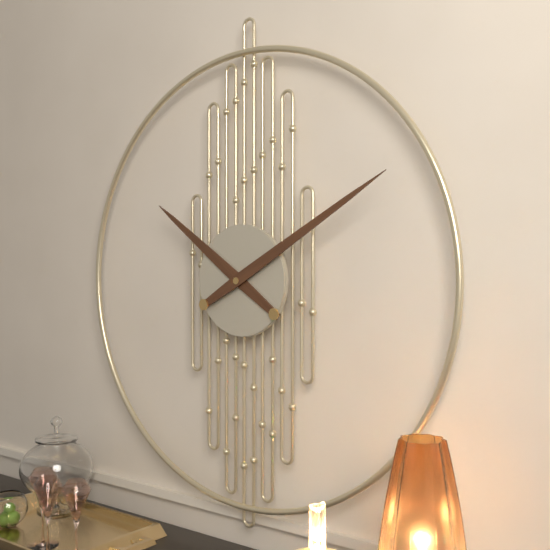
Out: 10,10
